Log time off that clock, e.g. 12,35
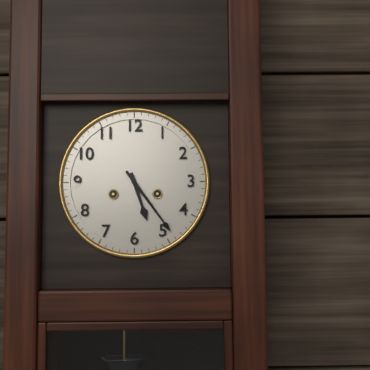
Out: 5,24
